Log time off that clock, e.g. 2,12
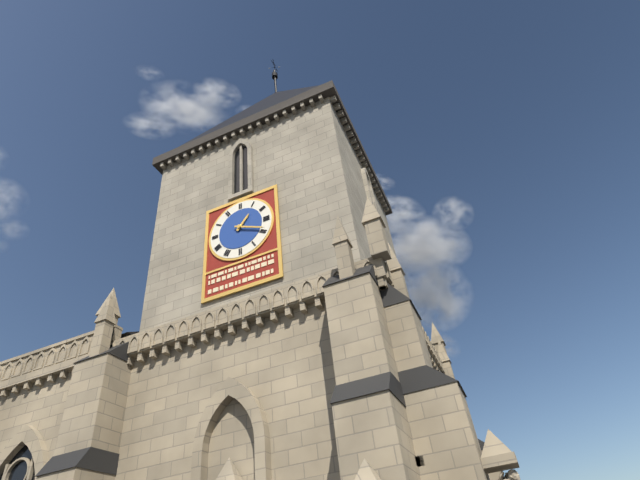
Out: 1,19
